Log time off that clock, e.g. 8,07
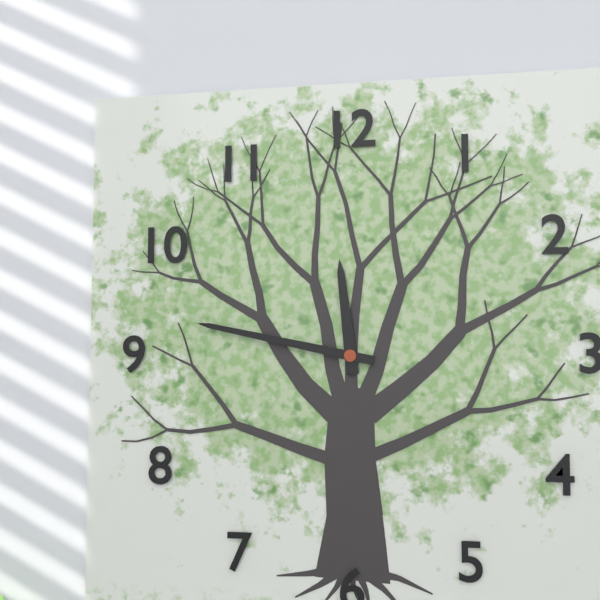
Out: 11,47
